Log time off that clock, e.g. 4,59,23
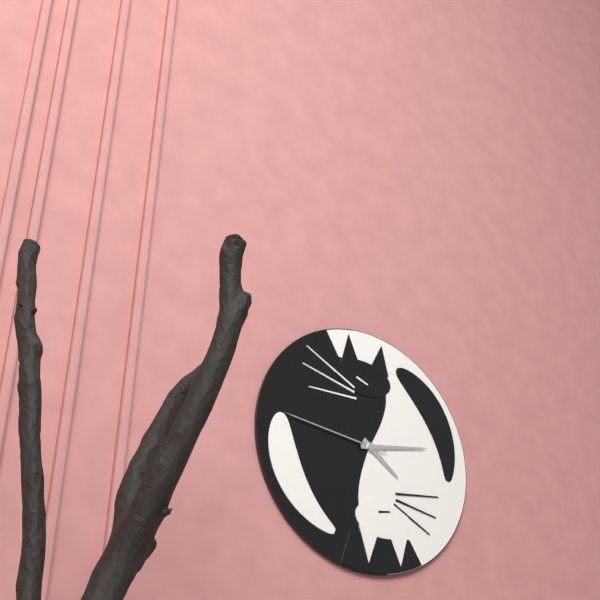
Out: 4,13,46
